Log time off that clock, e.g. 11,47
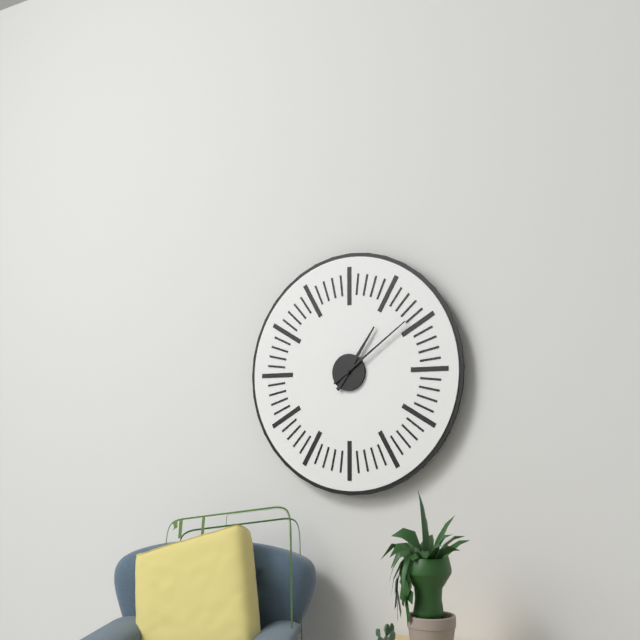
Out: 1,09
